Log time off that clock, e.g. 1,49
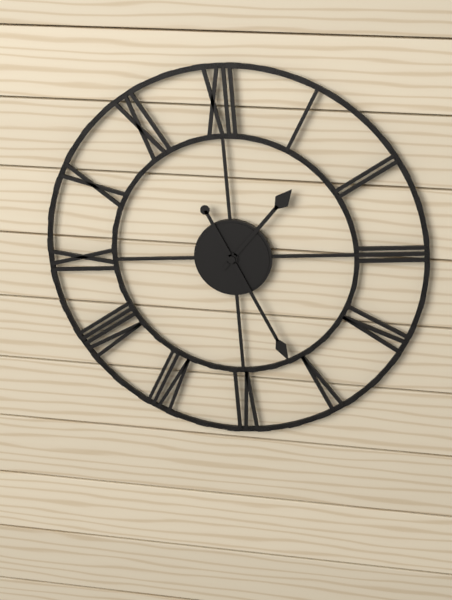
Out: 1,26
